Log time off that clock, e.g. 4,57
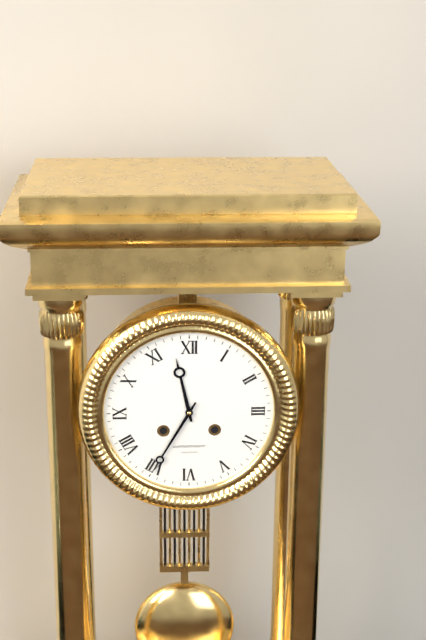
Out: 11,35
